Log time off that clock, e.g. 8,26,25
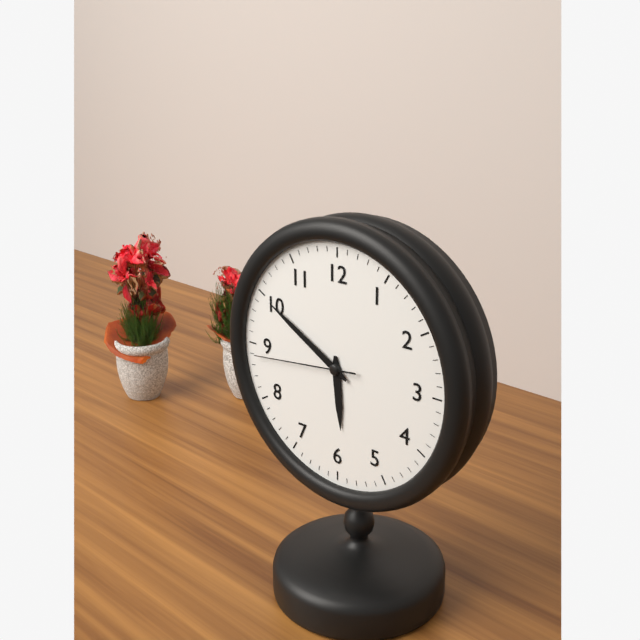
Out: 5,50,44
